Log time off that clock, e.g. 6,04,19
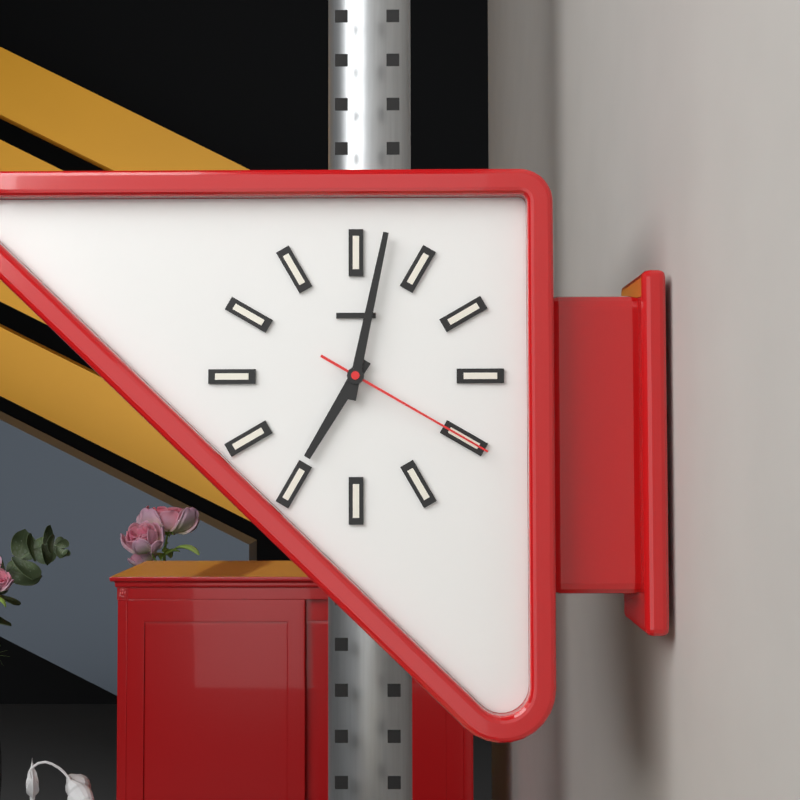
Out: 7,02,20
